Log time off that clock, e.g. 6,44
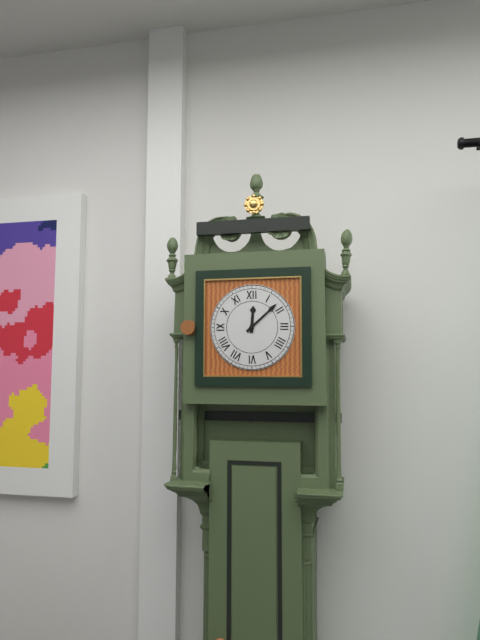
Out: 12,08
